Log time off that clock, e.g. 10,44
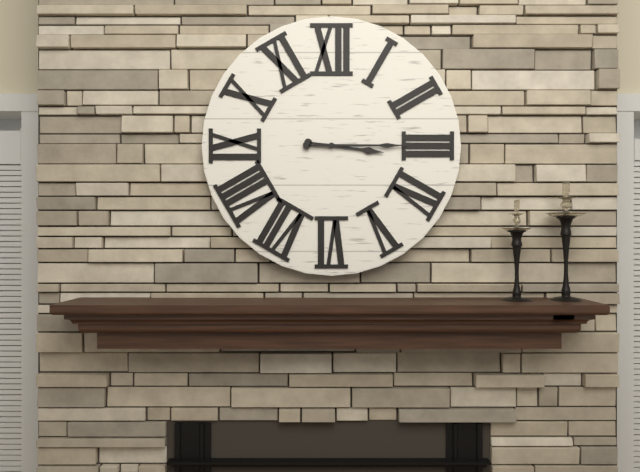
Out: 3,15
